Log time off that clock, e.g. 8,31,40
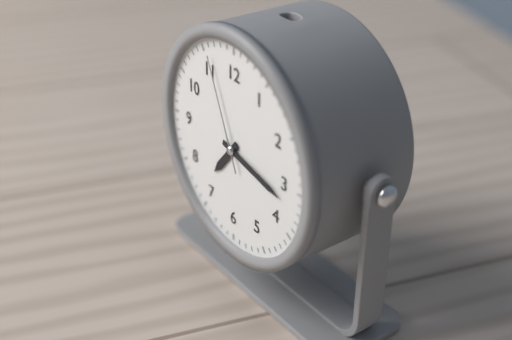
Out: 7,17,56
